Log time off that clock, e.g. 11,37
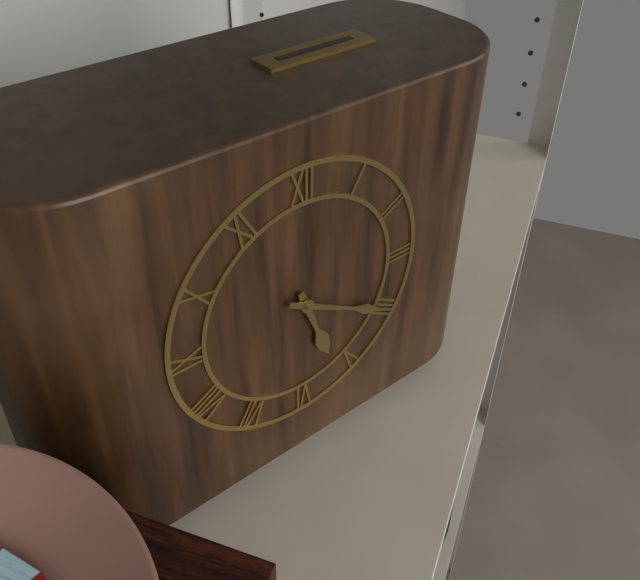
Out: 5,20
